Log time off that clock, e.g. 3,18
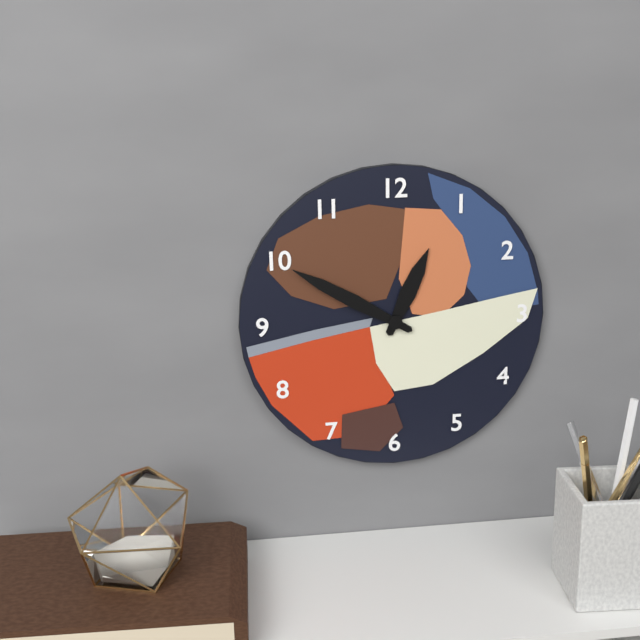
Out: 12,50
